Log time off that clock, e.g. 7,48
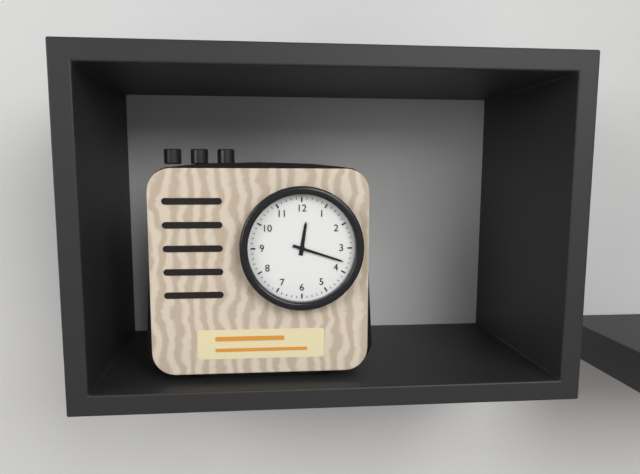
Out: 12,18
